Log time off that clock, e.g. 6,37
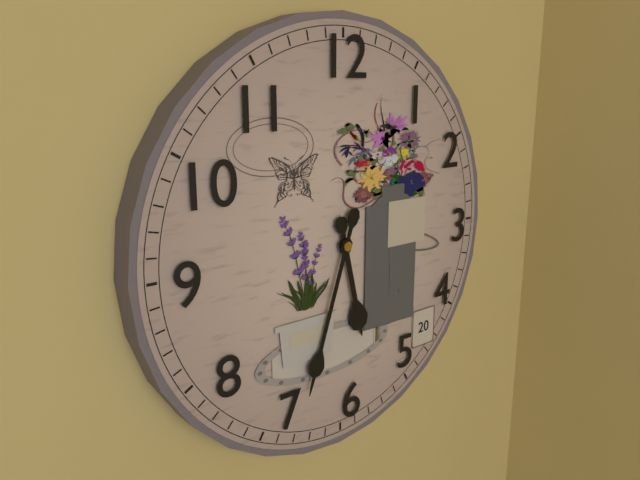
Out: 5,33
